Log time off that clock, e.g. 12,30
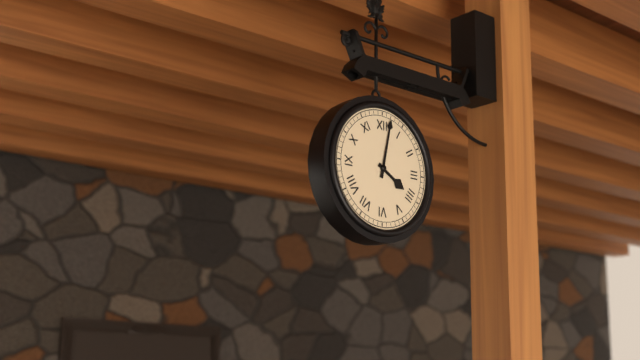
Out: 4,02
